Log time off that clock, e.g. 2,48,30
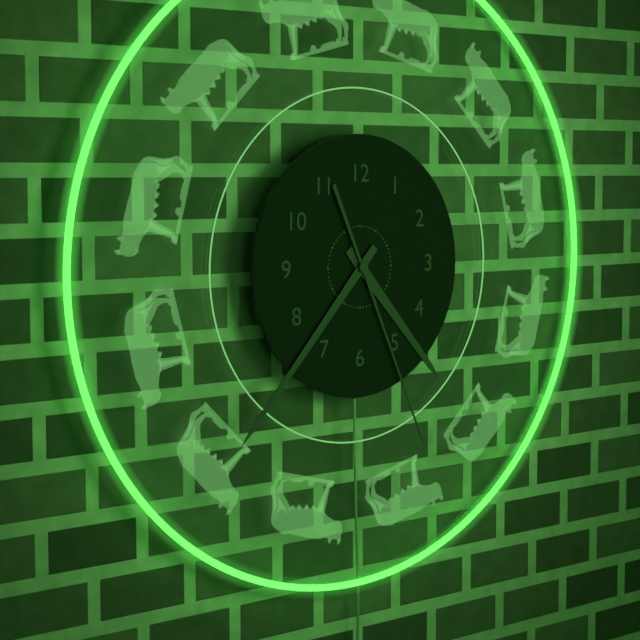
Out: 4,37,26
